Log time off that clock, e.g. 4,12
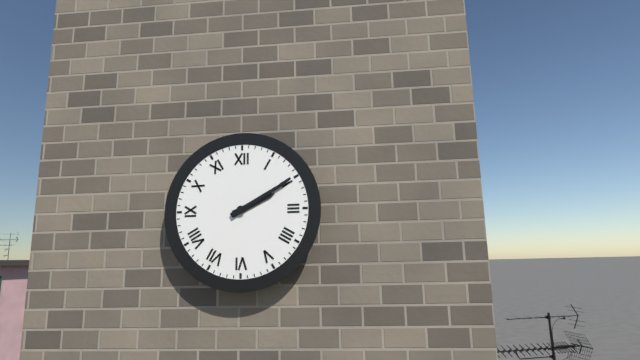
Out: 2,10
